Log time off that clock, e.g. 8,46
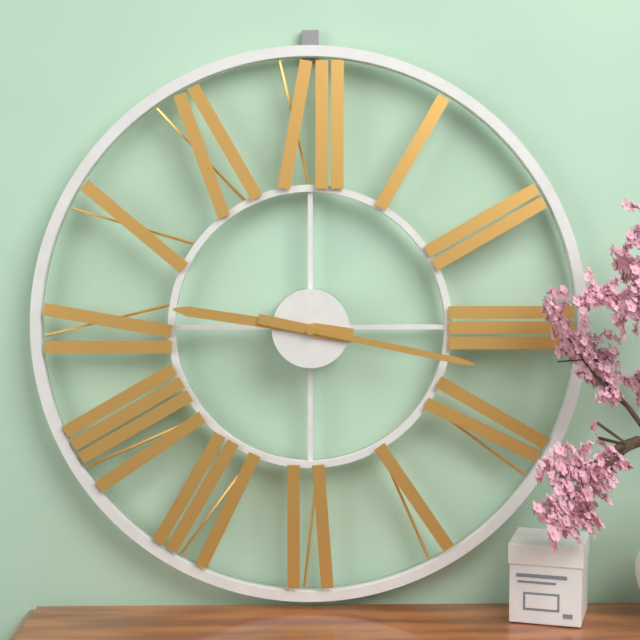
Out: 9,17
